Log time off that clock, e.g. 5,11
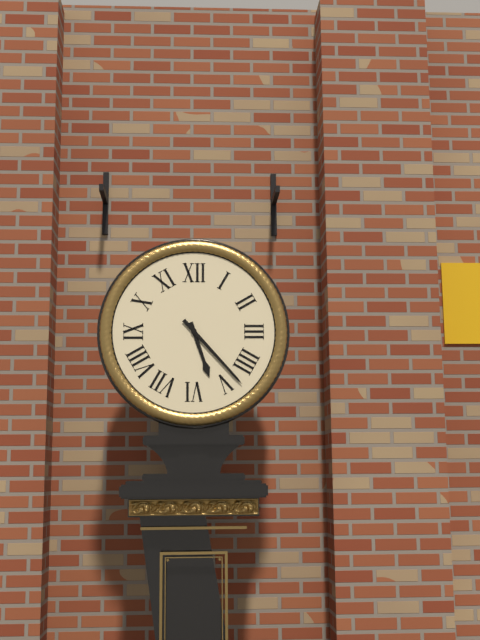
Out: 5,23
